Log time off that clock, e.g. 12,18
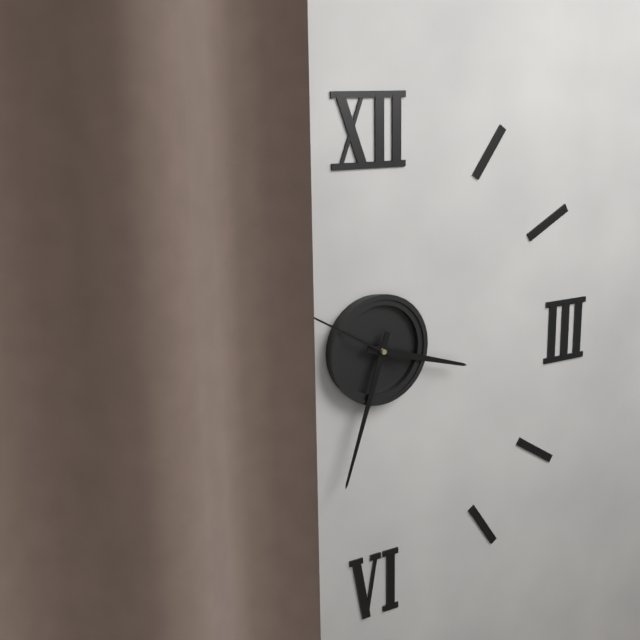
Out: 3,33
